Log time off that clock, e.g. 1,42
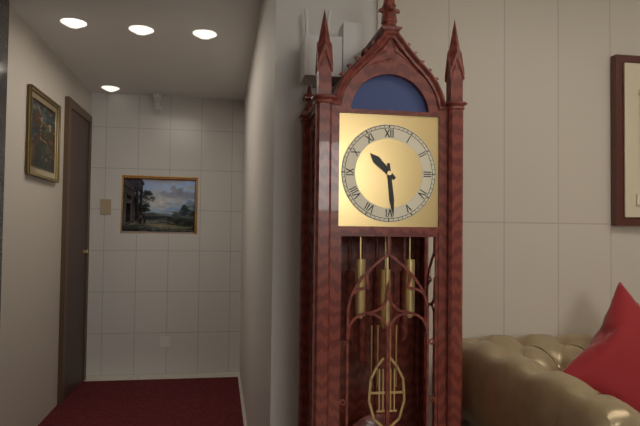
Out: 10,29
